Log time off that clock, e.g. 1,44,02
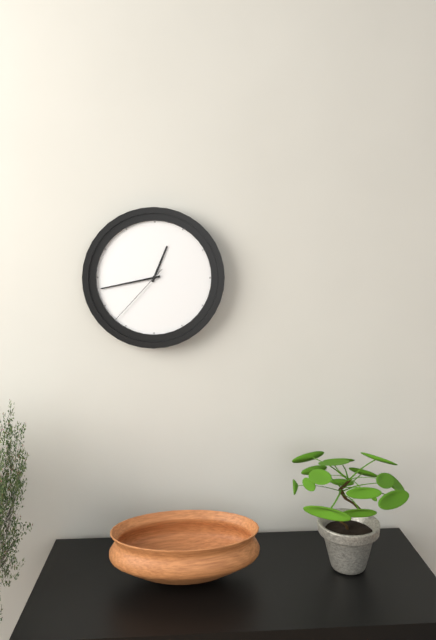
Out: 12,43,37
